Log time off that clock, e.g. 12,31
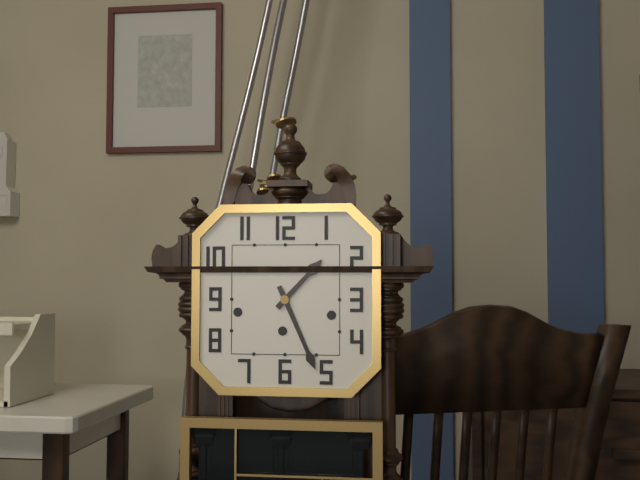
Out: 1,26
